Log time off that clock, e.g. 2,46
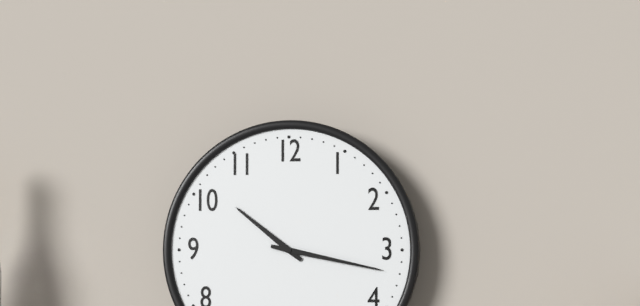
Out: 10,17
